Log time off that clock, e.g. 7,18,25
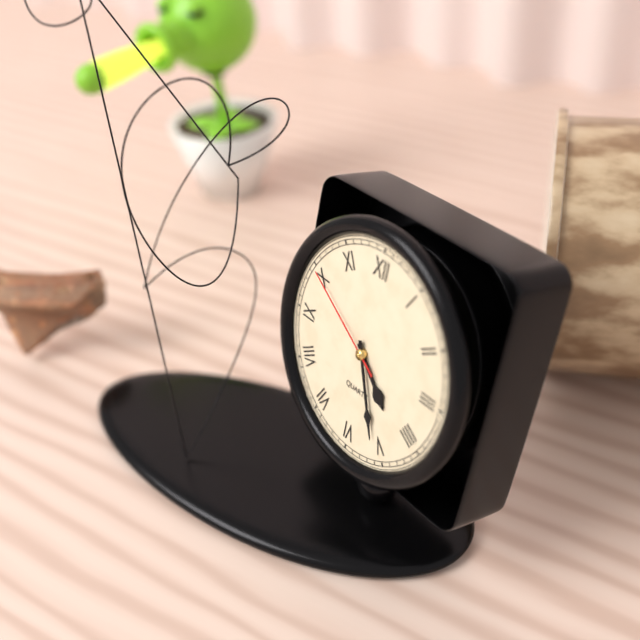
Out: 4,26,50
